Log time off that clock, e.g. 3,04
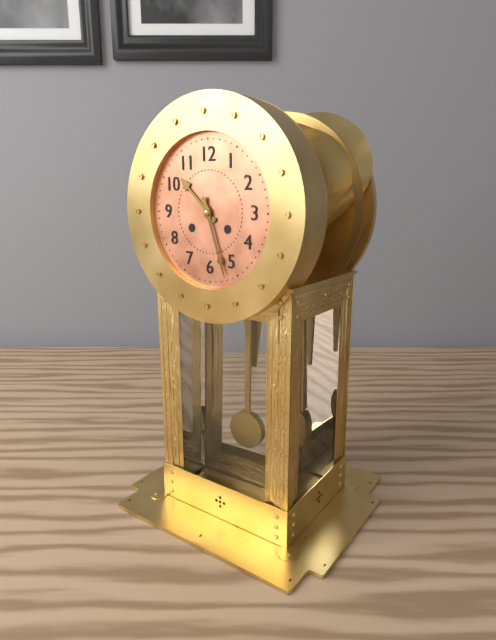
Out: 10,27
